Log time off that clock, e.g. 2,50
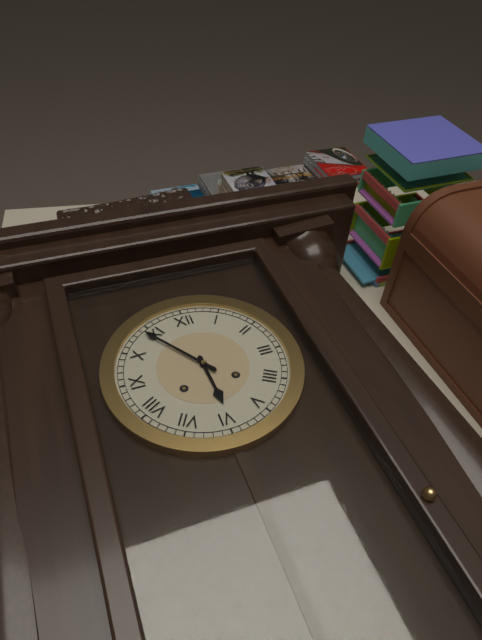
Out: 5,54
